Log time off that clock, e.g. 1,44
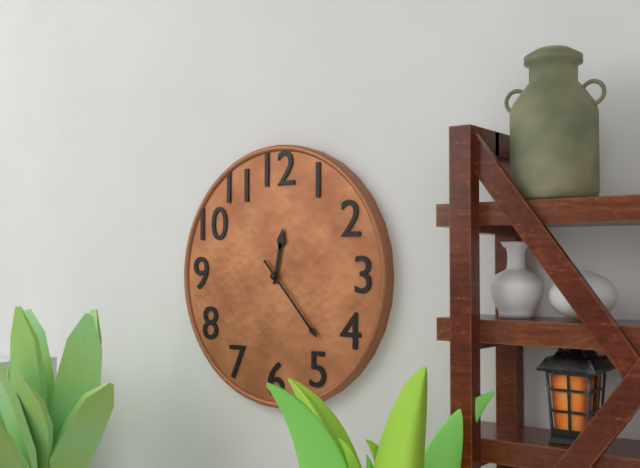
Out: 12,23
